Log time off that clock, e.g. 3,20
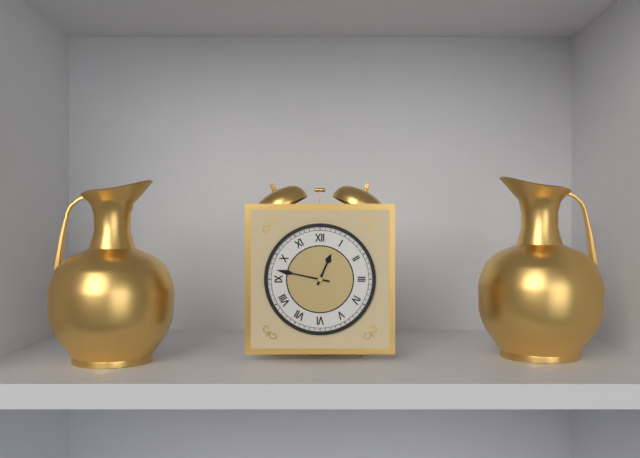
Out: 12,47
